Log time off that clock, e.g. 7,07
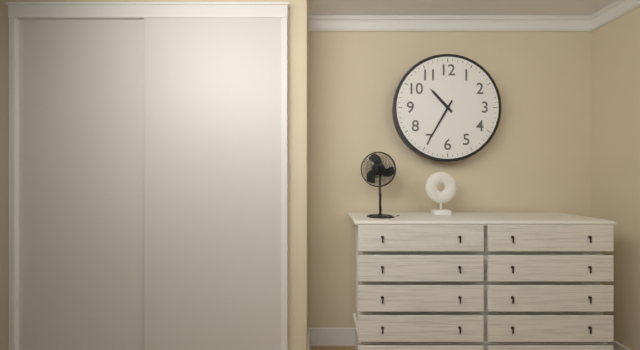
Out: 10,35
